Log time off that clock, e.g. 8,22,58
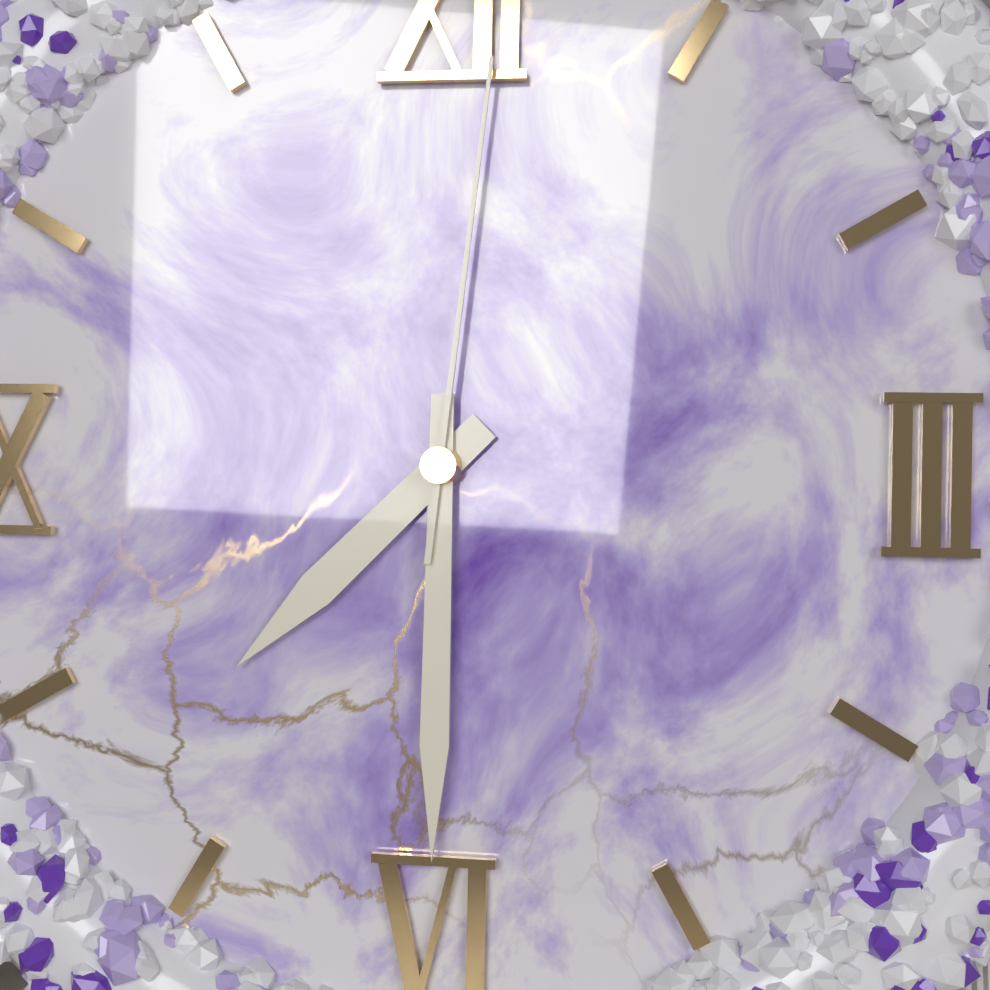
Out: 7,30,01
